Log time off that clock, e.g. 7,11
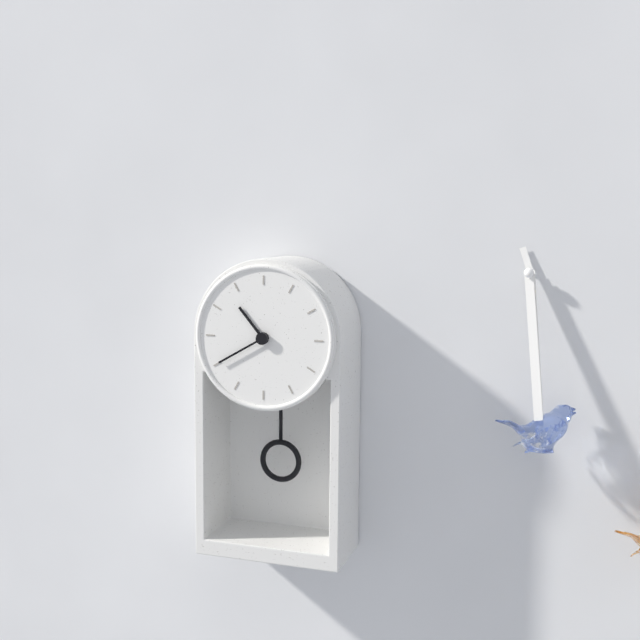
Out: 10,40
